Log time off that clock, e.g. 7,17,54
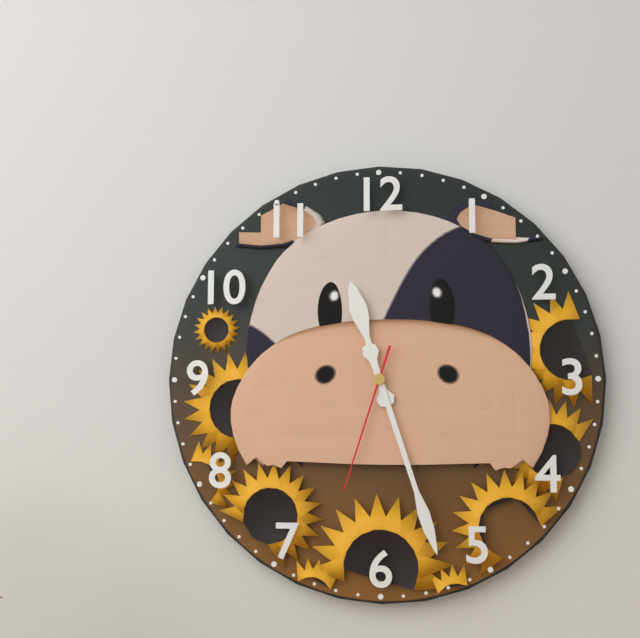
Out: 11,27,33
